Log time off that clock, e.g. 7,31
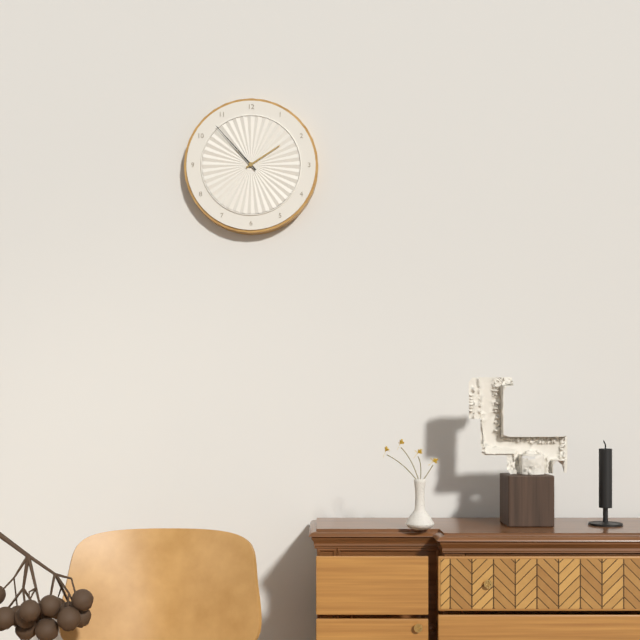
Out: 1,53
